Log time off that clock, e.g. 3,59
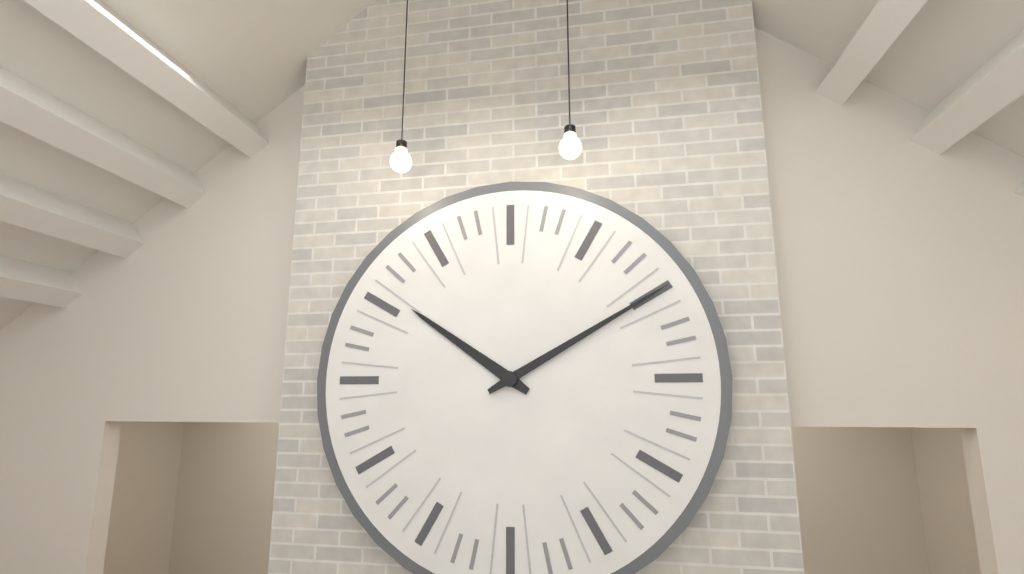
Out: 10,10
